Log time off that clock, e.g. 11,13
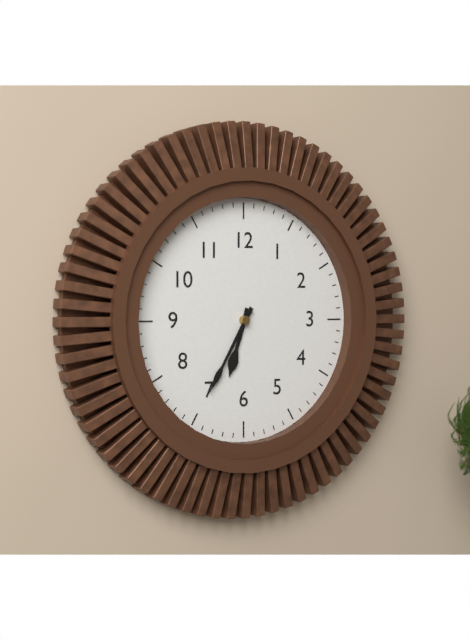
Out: 6,35
